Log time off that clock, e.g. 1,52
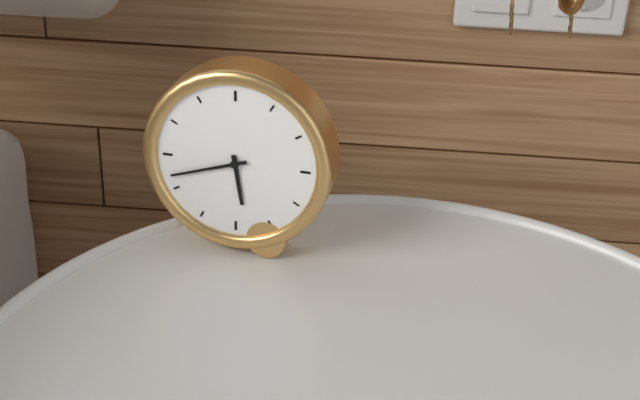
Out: 5,42
